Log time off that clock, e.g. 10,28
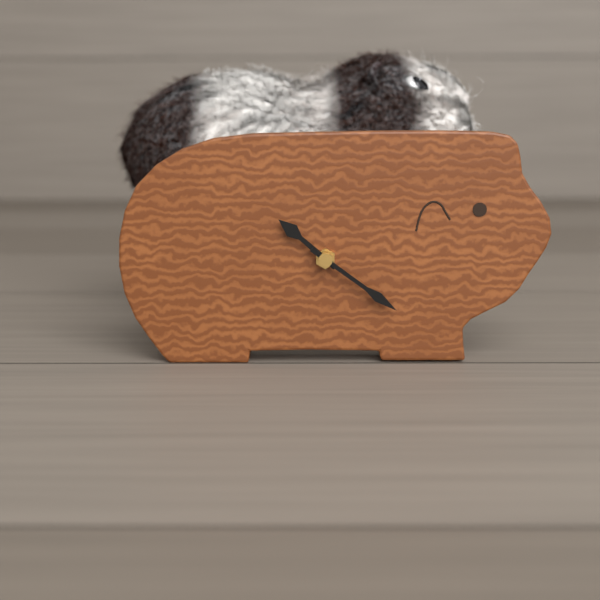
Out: 10,21
